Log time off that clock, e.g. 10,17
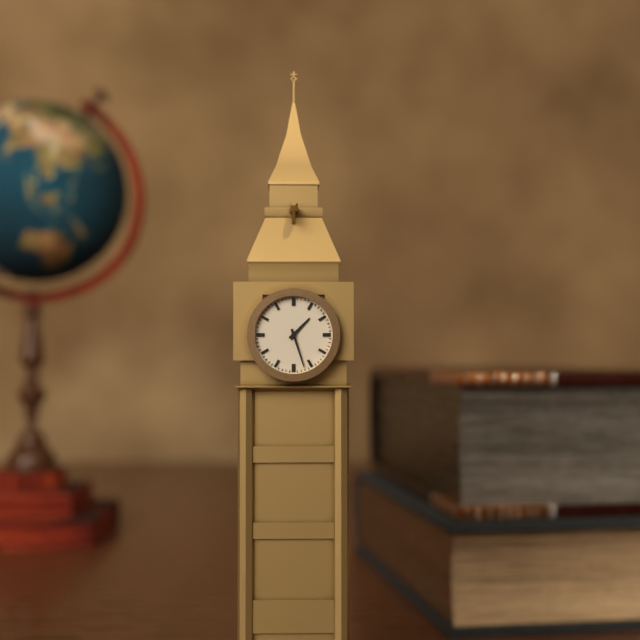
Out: 1,27
